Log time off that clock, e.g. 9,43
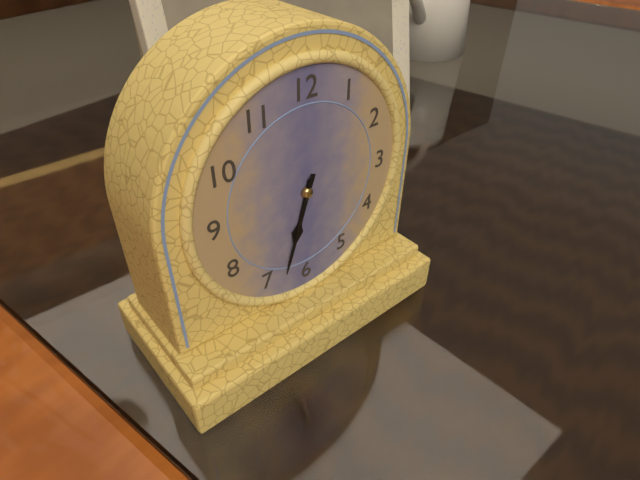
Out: 6,33
